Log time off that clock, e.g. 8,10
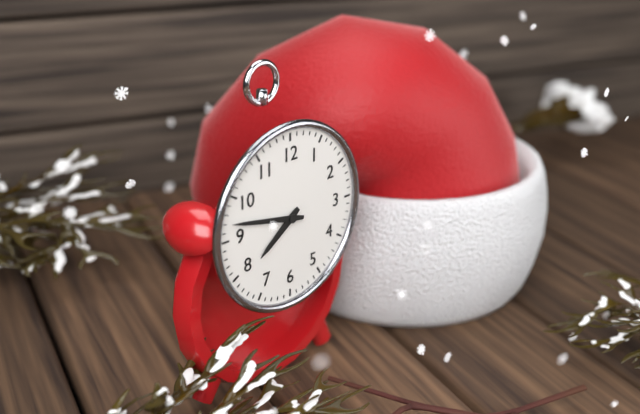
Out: 7,47
